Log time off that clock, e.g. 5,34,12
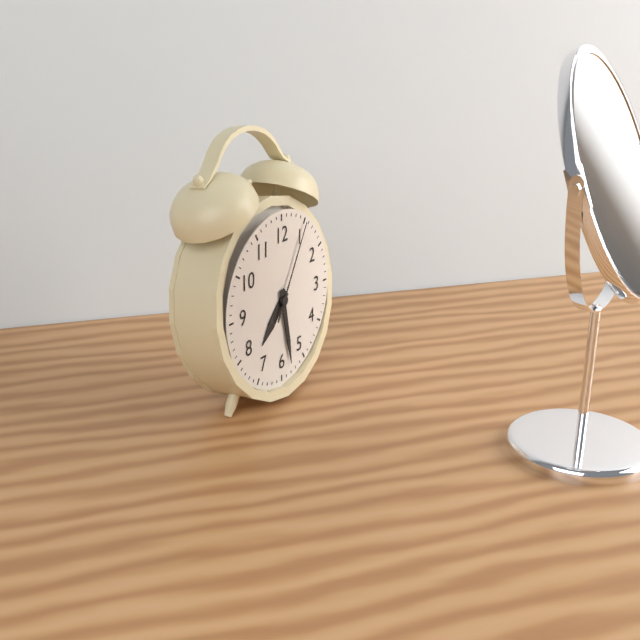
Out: 7,28,05
